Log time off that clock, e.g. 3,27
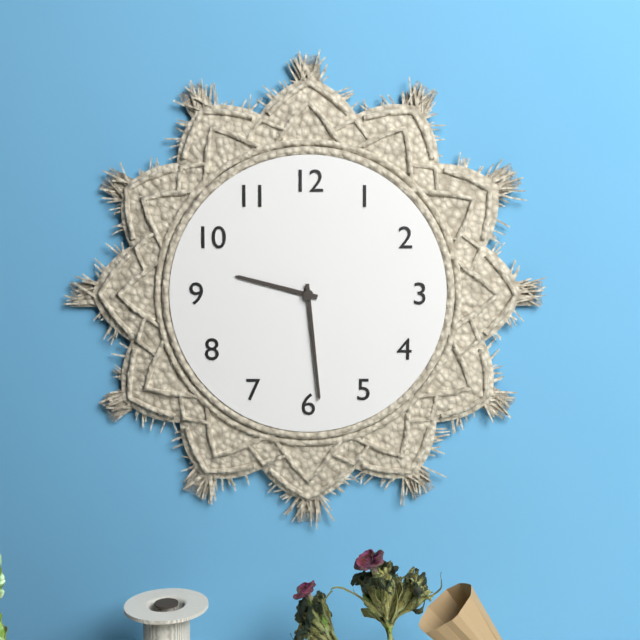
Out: 9,29
